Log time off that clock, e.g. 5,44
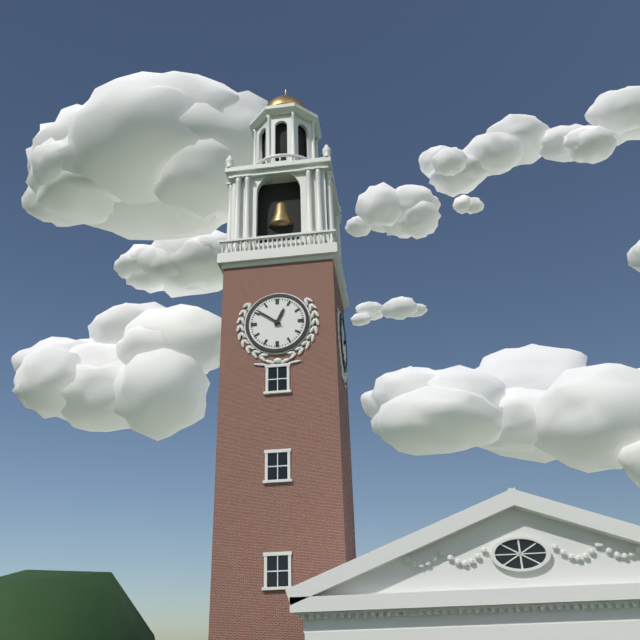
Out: 12,51
